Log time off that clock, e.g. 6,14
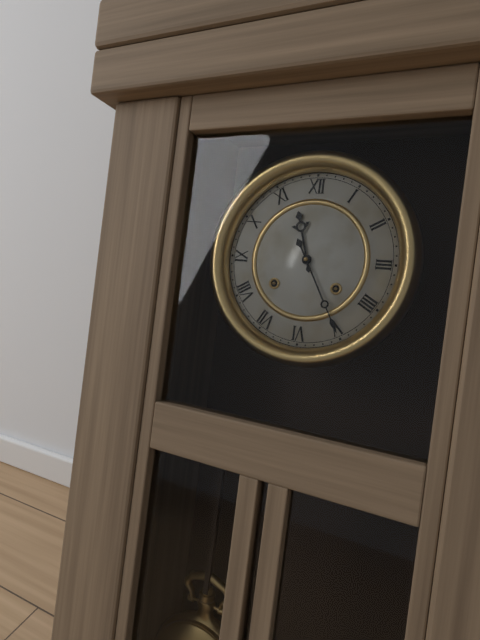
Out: 11,25
